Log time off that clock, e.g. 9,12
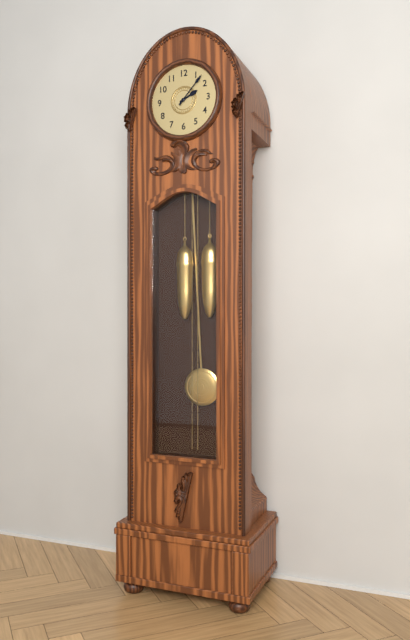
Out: 2,07
